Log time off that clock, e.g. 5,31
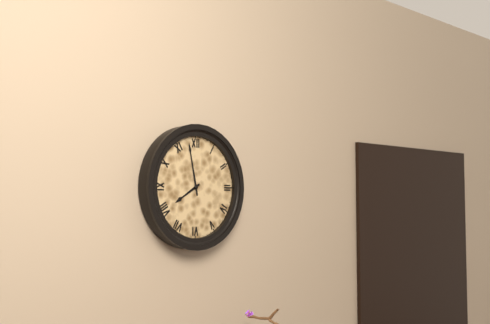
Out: 7,58
